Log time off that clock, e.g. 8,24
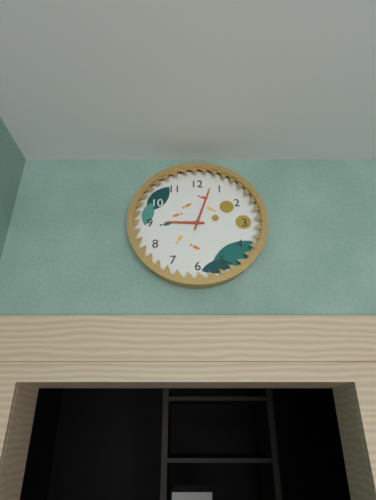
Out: 9,03
